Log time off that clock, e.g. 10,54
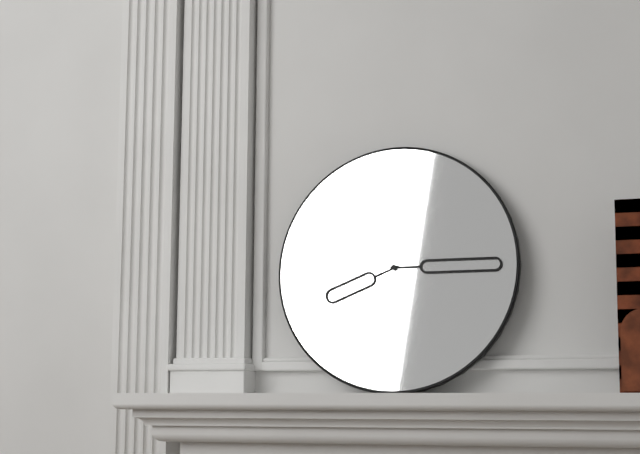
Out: 8,15
